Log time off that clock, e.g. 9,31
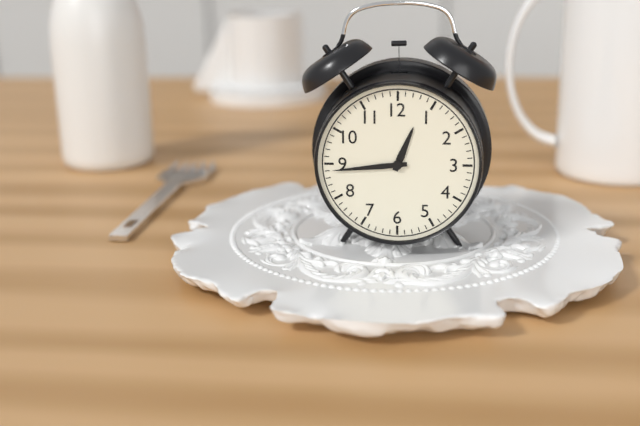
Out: 12,44
